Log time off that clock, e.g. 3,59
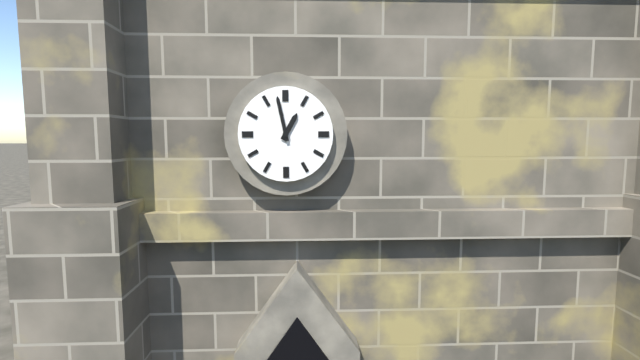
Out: 12,58
